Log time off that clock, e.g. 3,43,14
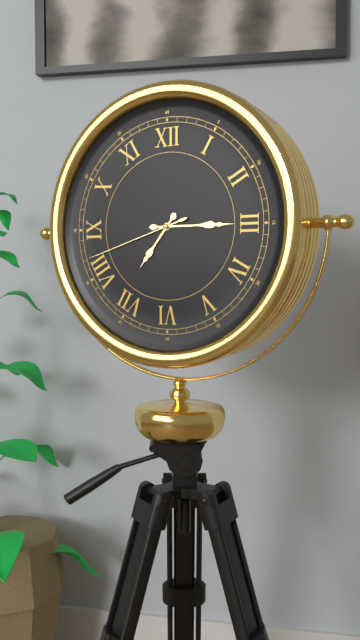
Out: 7,15,42
